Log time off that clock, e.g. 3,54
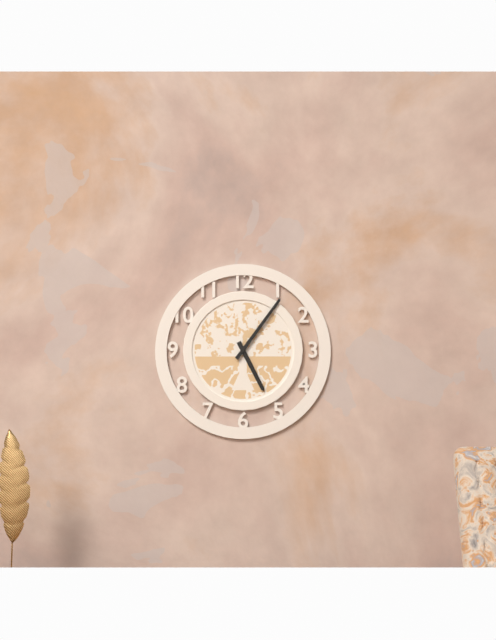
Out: 5,06
